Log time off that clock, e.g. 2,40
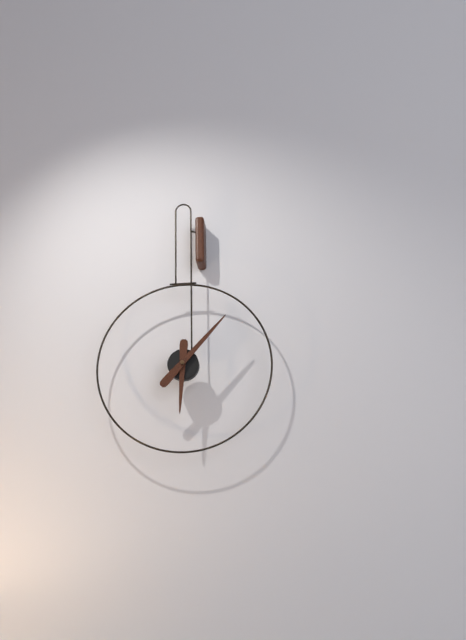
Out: 6,07
